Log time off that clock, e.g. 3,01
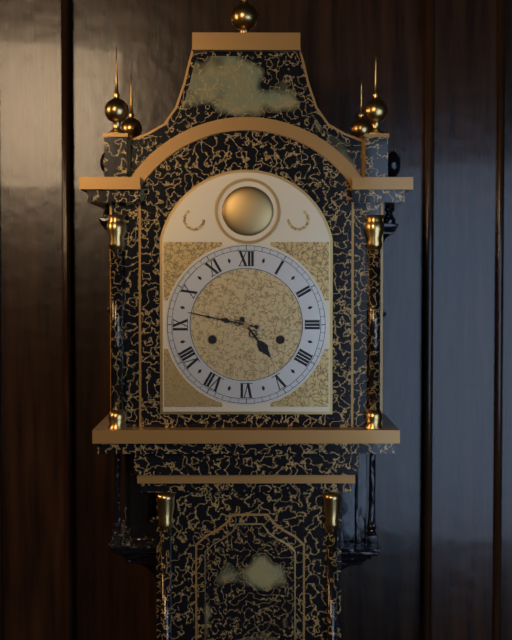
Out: 4,47
